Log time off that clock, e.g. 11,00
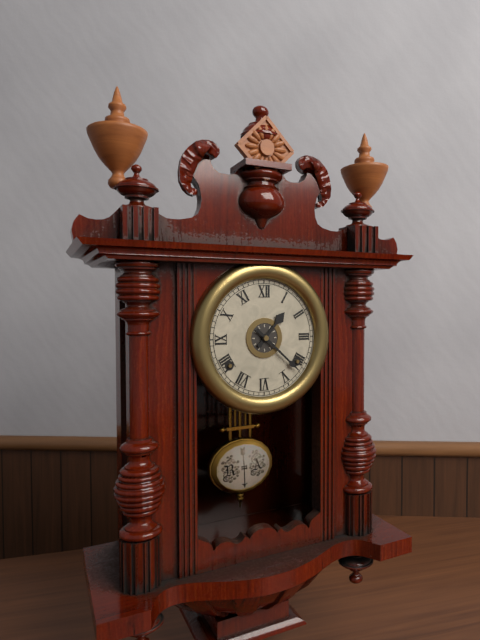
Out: 1,22
